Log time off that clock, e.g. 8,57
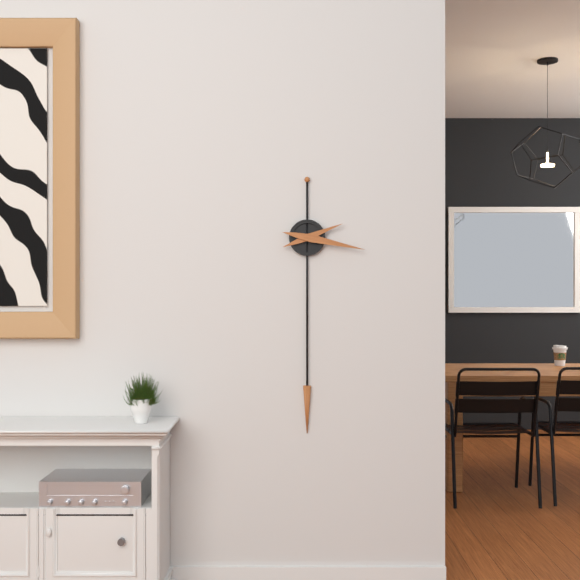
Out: 2,17
